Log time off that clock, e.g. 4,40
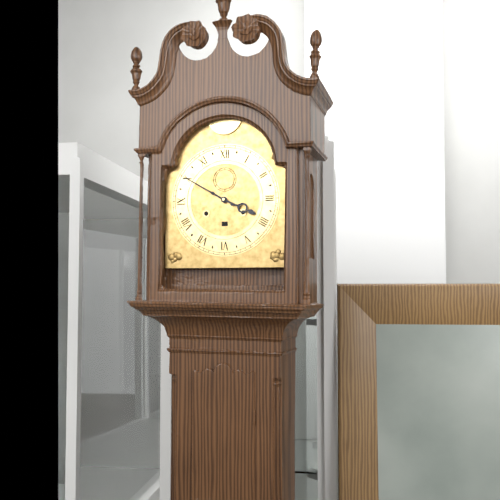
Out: 3,50
